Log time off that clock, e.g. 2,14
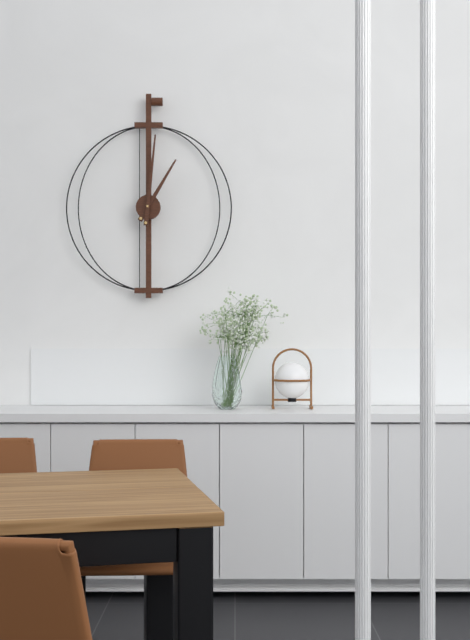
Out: 1,01
